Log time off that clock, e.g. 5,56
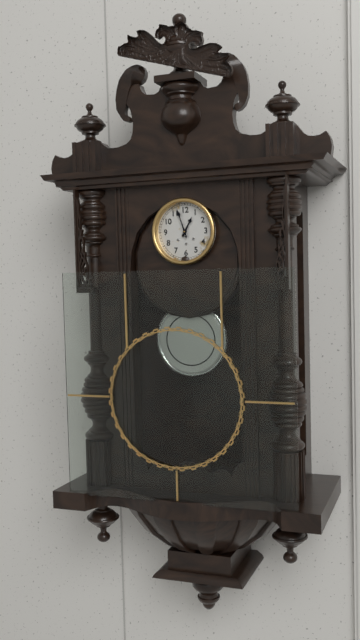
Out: 12,57
